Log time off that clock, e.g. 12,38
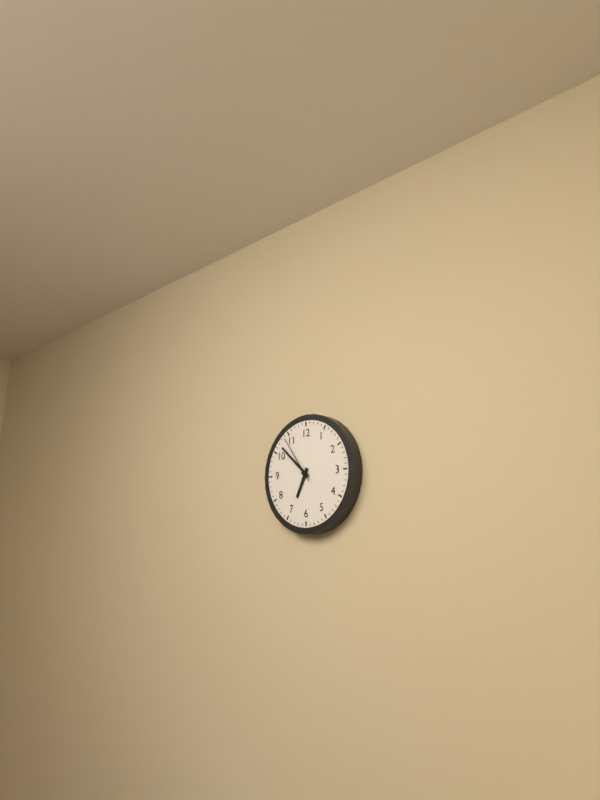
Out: 6,52
